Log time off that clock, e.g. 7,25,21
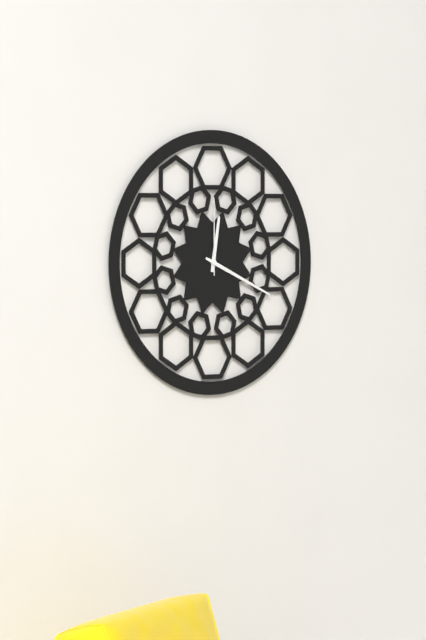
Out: 12,19,00
